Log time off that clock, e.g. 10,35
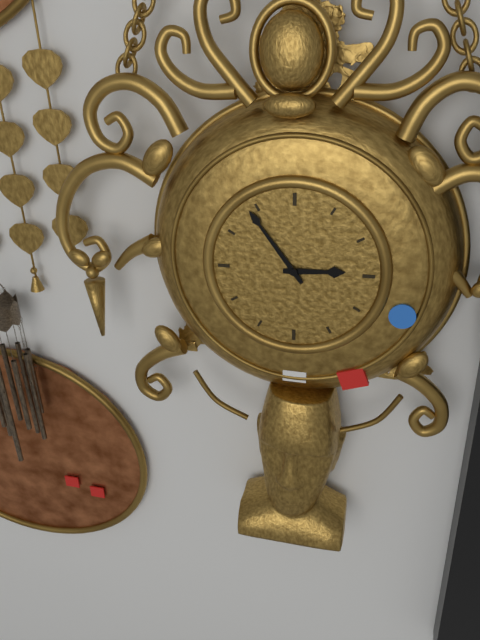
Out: 2,54
